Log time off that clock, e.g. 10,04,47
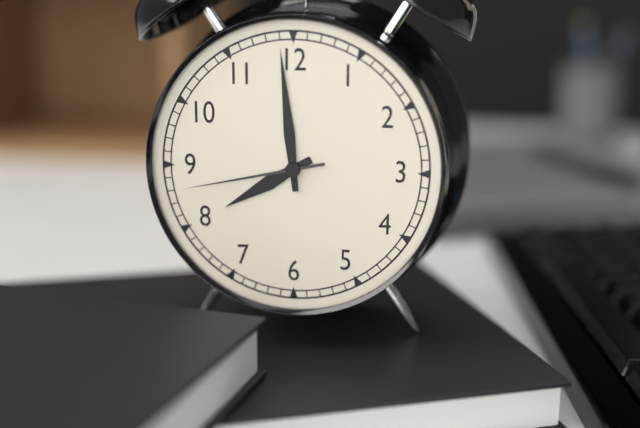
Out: 7,59,43
